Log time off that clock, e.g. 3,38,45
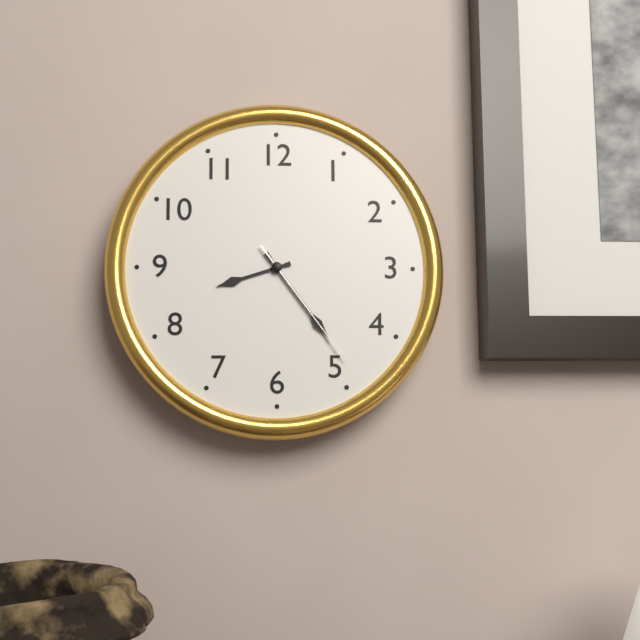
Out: 8,24,24
